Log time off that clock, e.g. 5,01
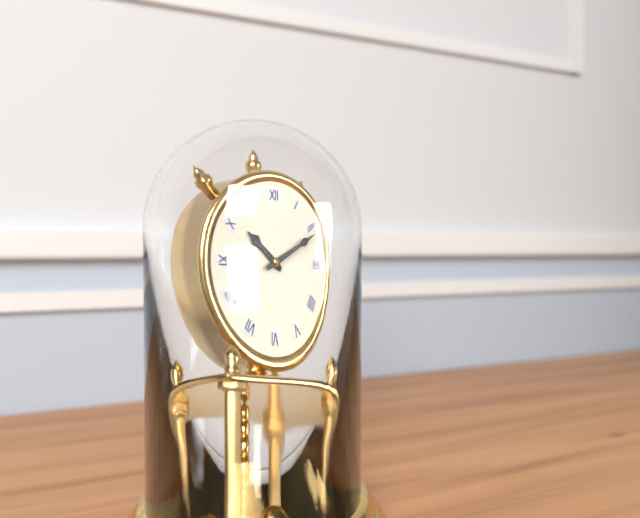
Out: 10,11
